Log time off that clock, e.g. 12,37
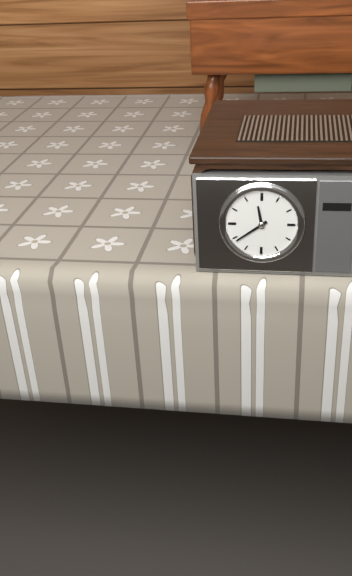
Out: 11,39
